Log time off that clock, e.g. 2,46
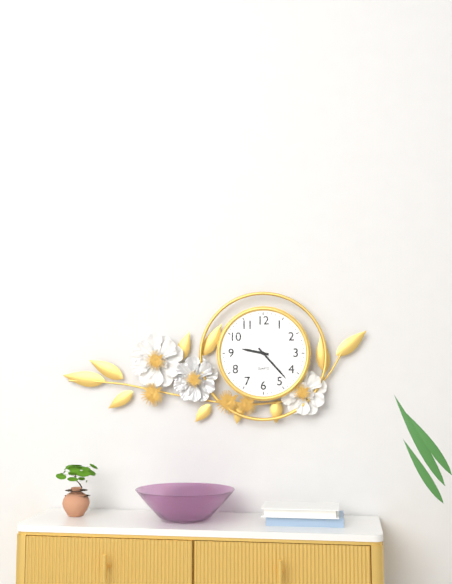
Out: 9,23
